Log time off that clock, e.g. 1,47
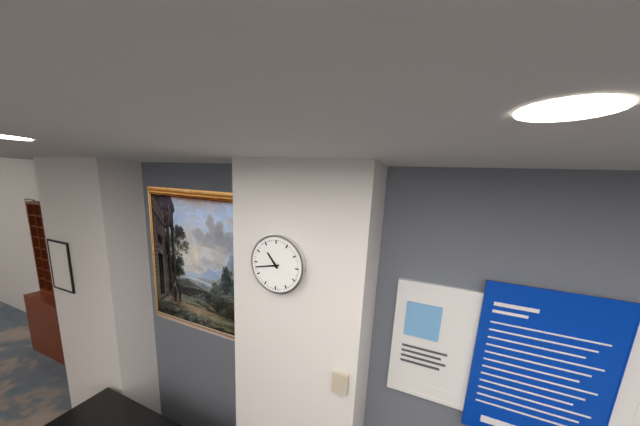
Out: 10,43
